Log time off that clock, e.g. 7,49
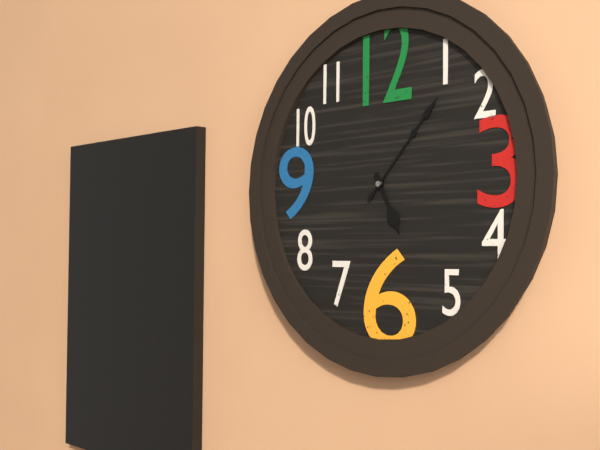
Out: 5,07
